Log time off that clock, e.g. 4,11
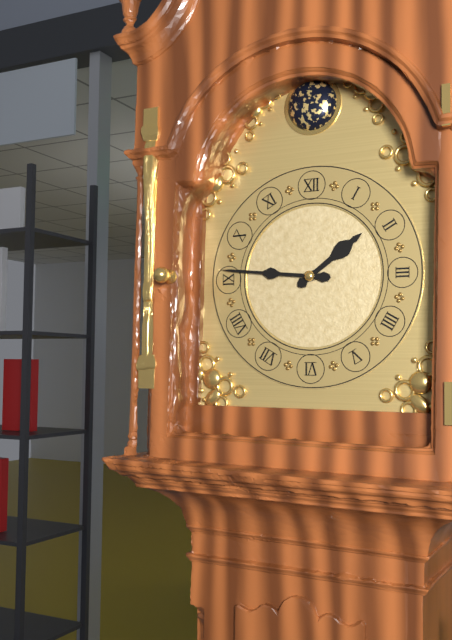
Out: 1,46
